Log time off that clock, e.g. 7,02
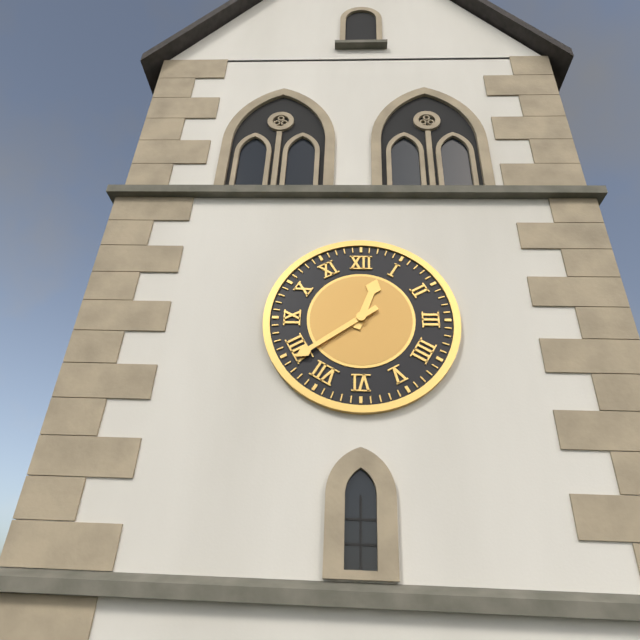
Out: 12,39
